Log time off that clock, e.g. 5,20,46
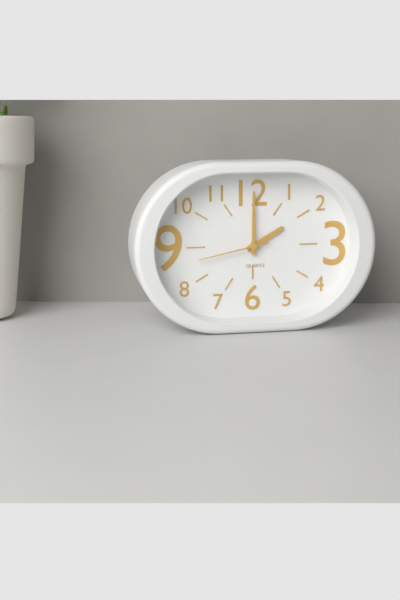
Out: 2,00,43
